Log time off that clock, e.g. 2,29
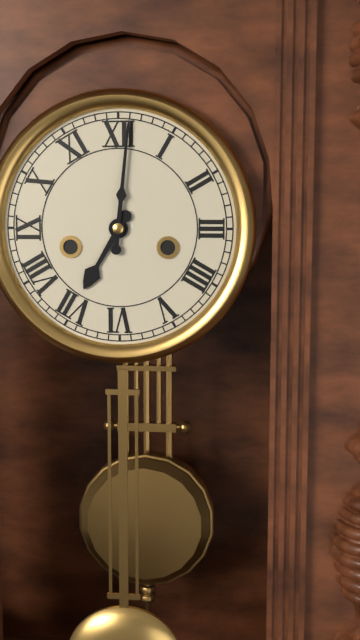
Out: 7,01
